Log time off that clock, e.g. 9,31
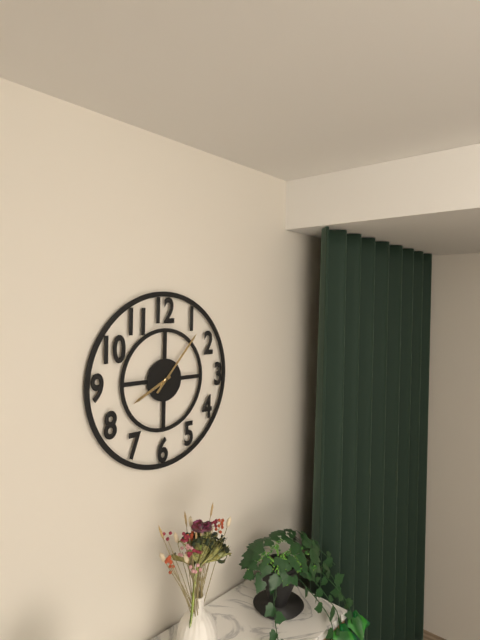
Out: 8,07
